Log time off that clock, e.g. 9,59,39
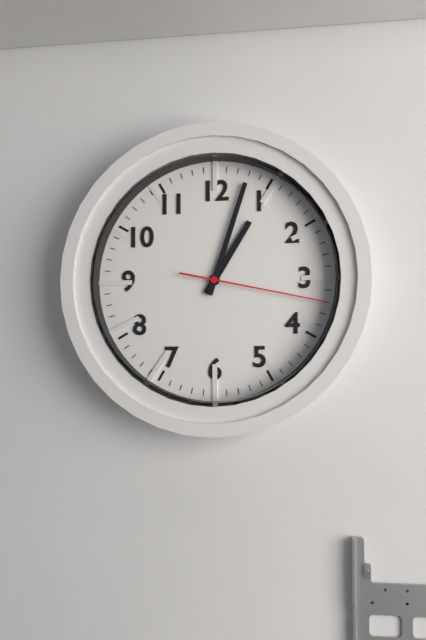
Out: 1,03,17
